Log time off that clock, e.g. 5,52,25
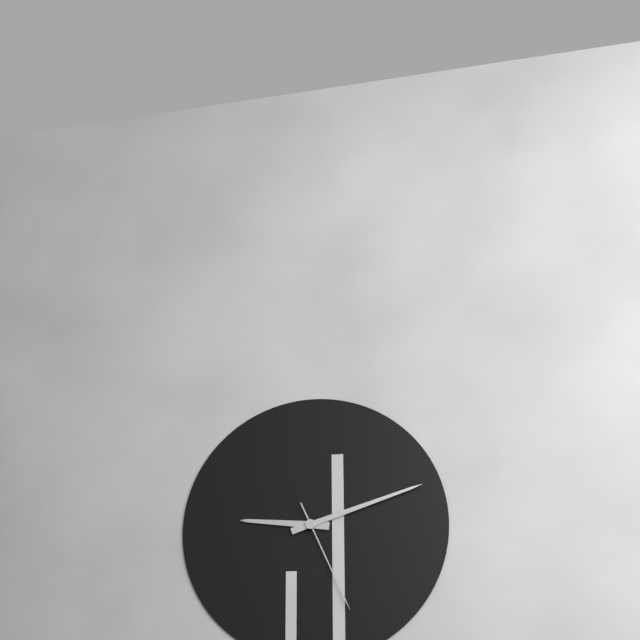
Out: 9,12,26
